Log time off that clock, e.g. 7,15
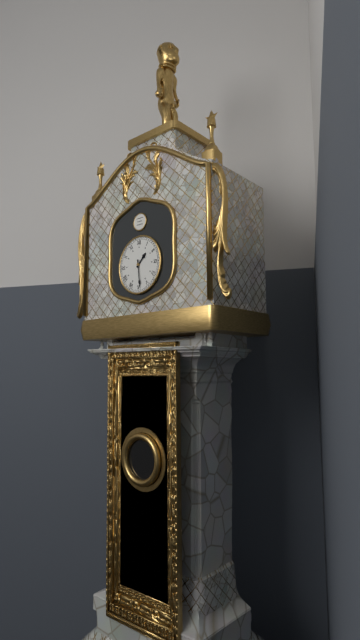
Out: 1,29
